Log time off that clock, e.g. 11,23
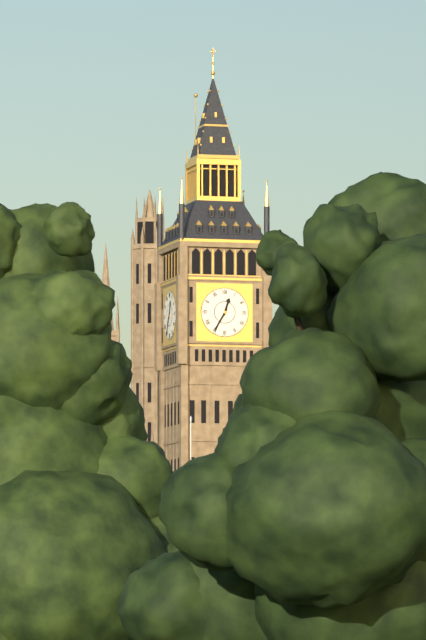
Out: 12,35
